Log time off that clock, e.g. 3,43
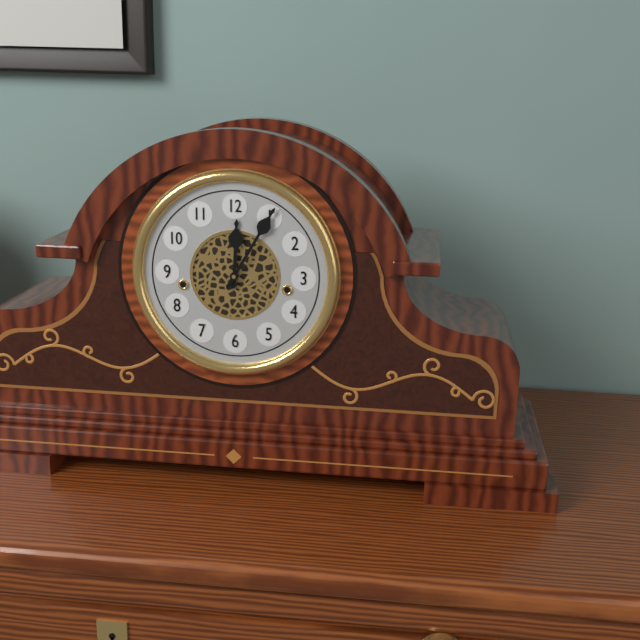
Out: 12,05
